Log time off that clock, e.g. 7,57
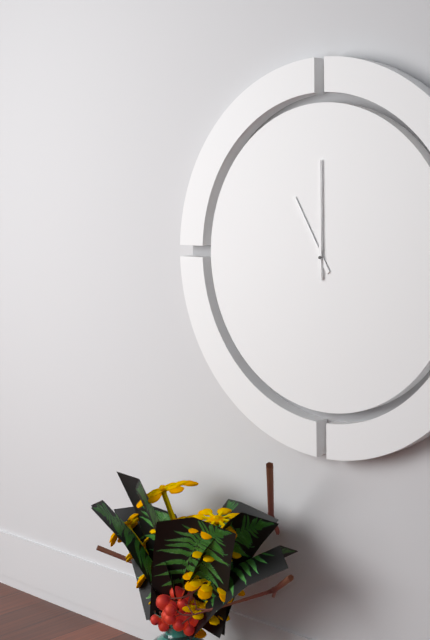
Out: 11,00
